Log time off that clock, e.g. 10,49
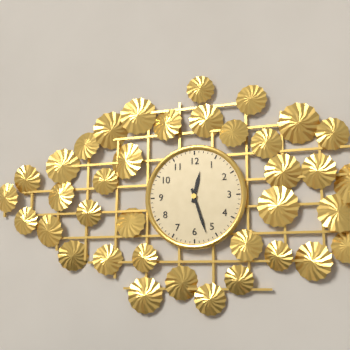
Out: 12,27
